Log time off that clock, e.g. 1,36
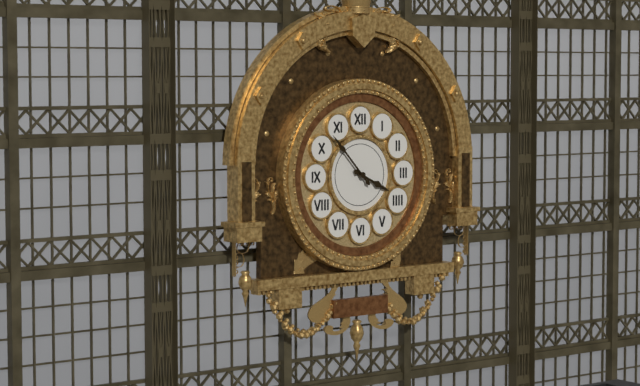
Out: 3,53
